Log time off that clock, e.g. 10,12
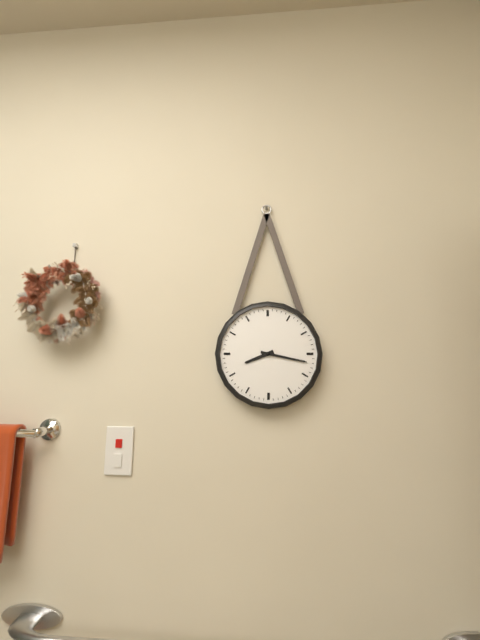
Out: 8,17
